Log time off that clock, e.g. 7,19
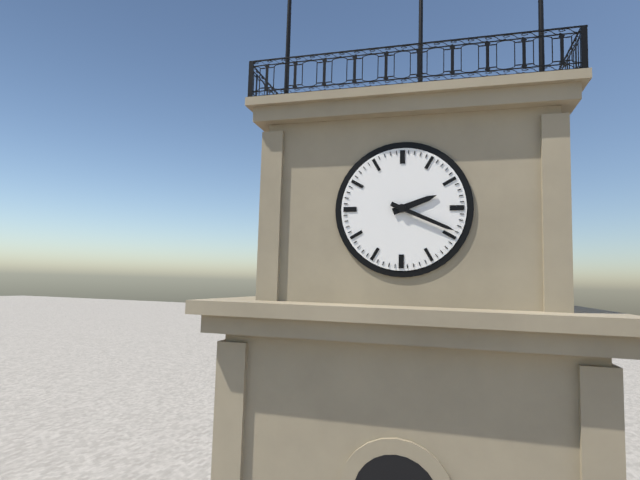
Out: 2,19
